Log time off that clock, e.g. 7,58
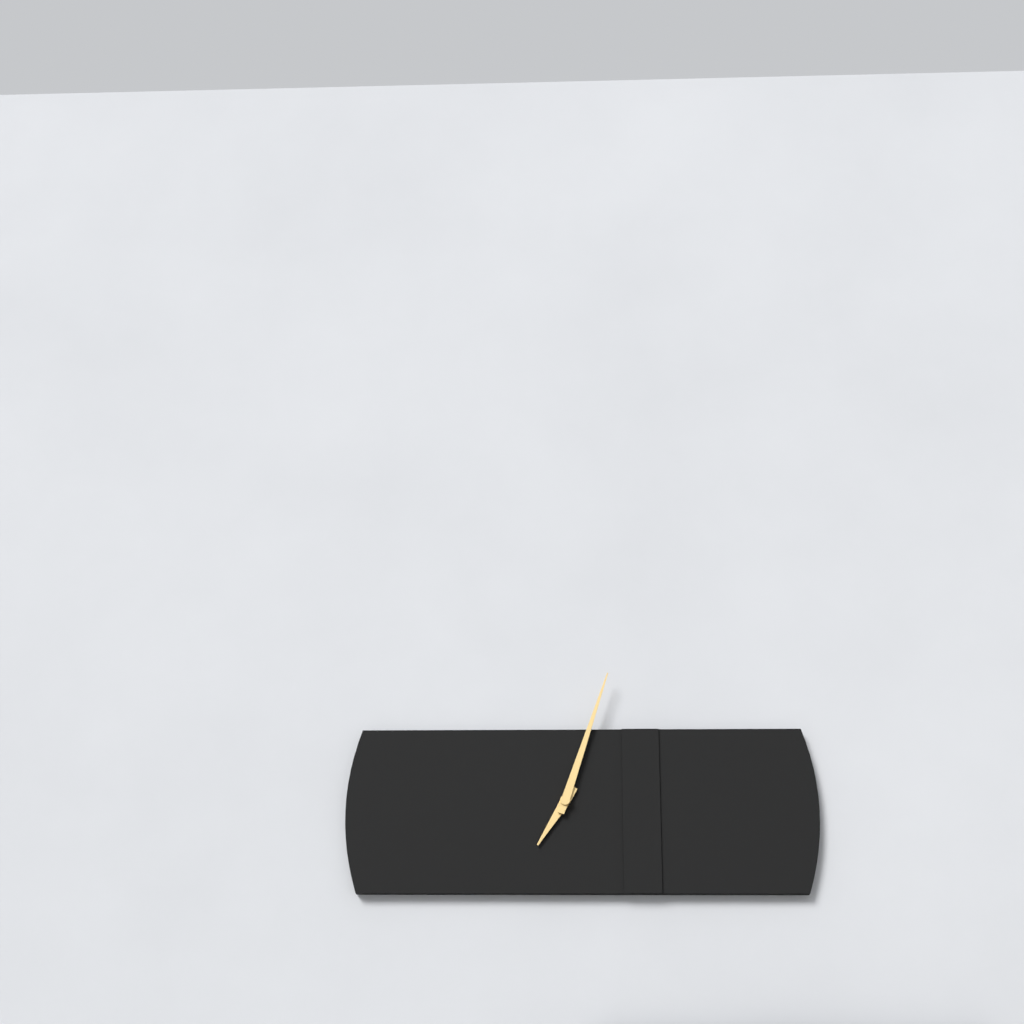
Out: 7,03
